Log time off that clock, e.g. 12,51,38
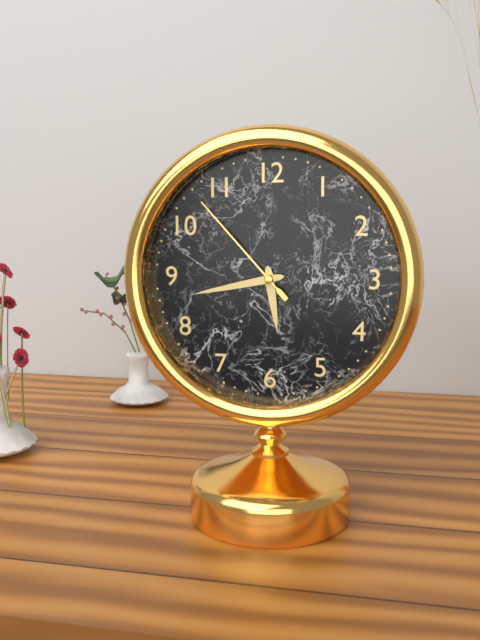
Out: 5,43,53
